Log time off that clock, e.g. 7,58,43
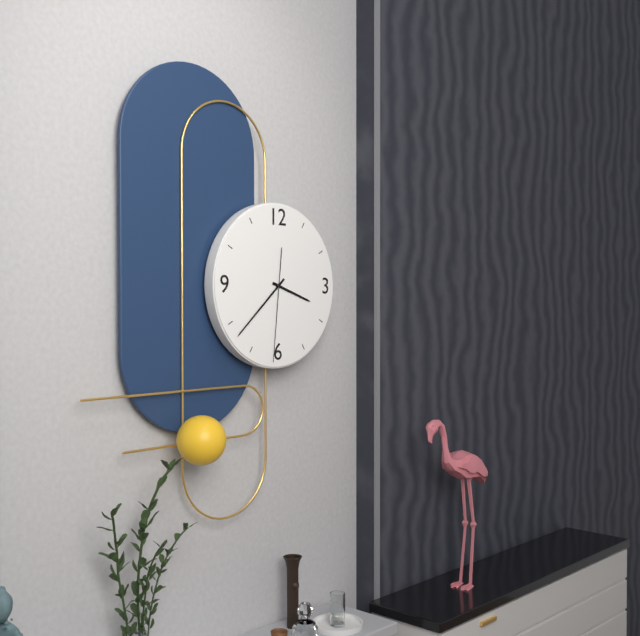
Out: 3,38,31
